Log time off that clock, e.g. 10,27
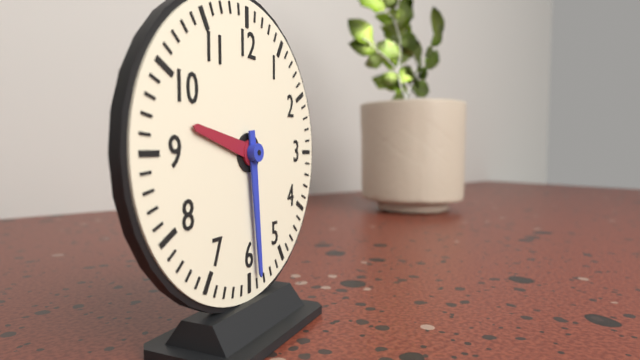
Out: 9,29
